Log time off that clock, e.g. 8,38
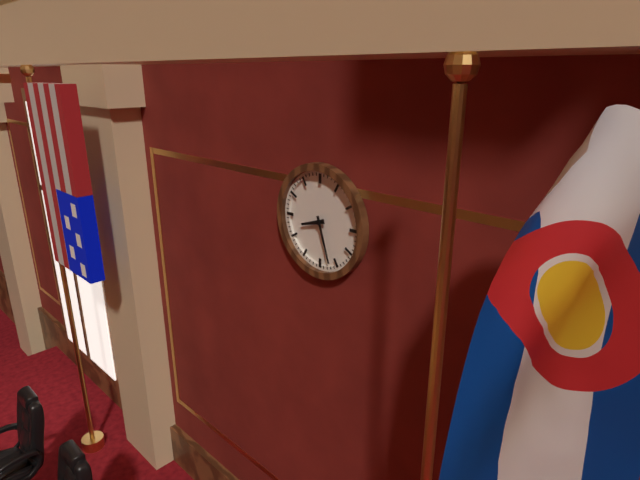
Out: 8,27
